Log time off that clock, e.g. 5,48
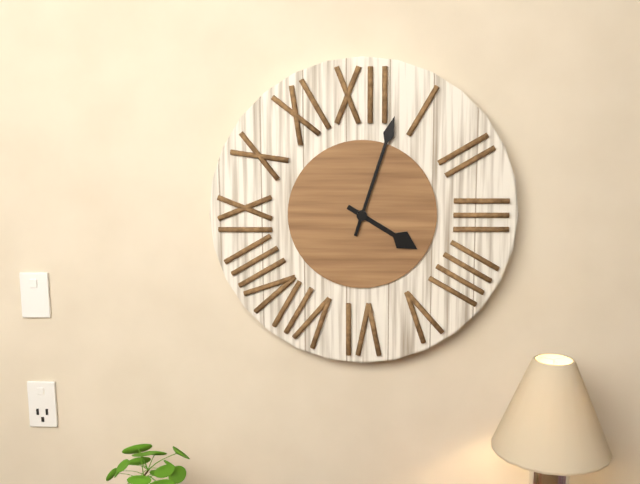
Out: 4,03
